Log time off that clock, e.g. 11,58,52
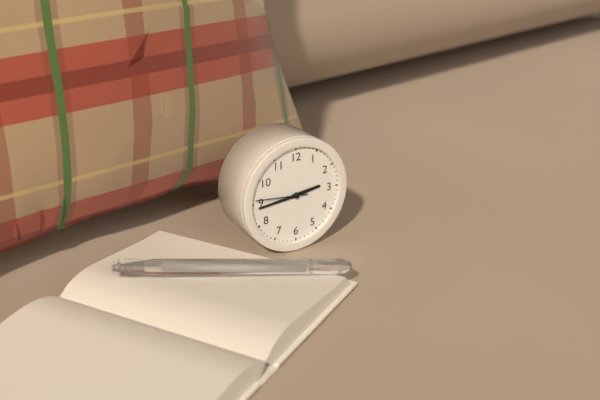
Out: 2,44,46
